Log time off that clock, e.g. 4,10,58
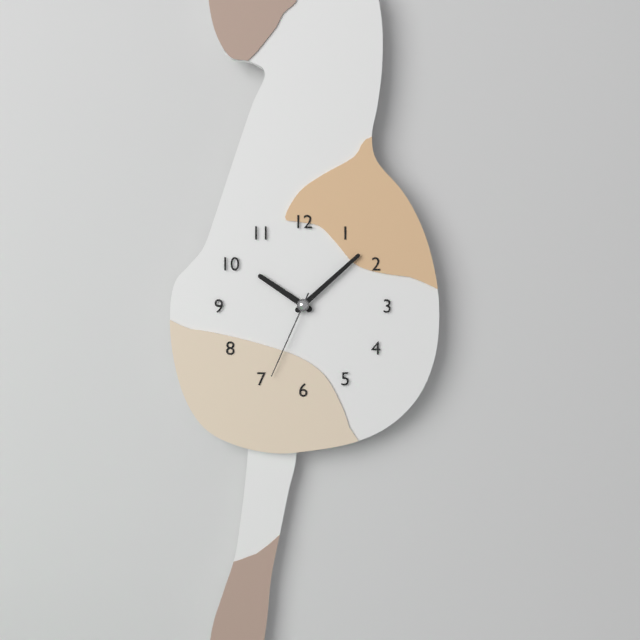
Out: 10,08,34
